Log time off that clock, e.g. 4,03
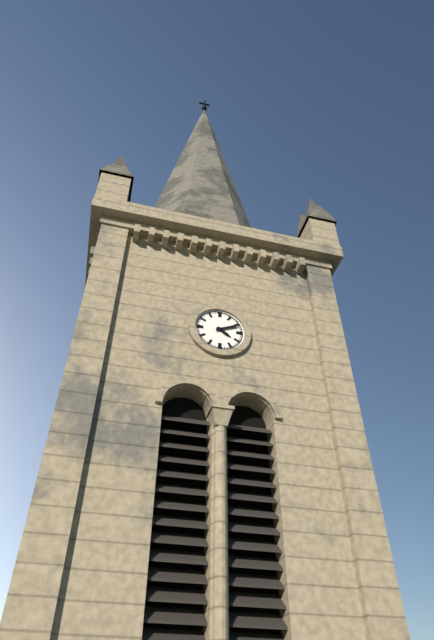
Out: 4,11
